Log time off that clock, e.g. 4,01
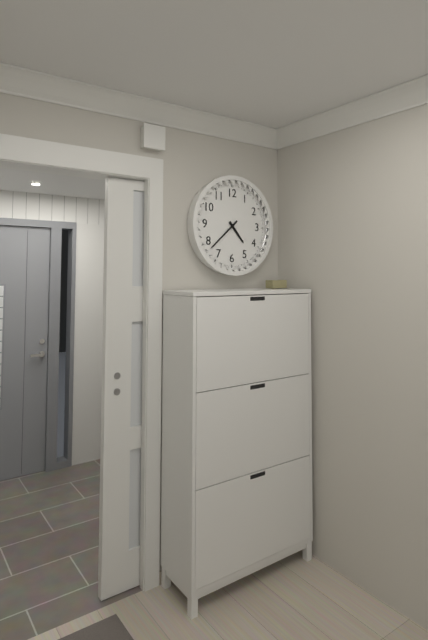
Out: 4,38
